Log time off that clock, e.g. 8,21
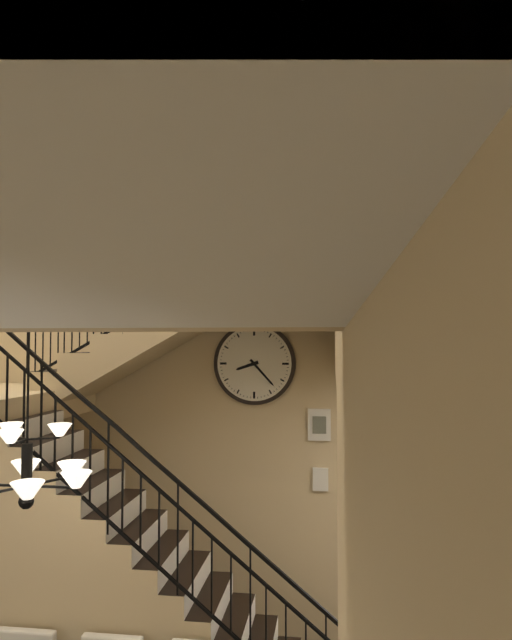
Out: 8,23
